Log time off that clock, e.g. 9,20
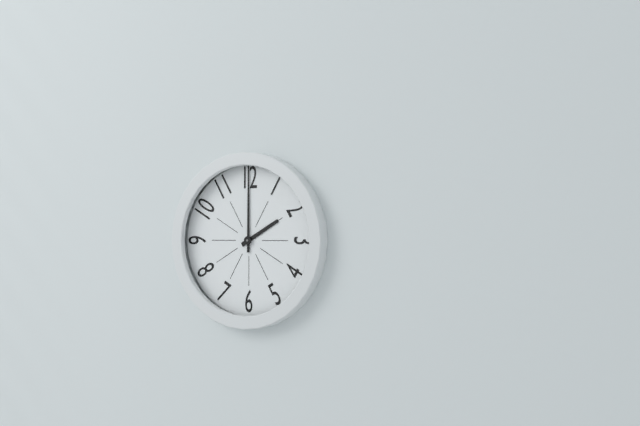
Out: 2,00
